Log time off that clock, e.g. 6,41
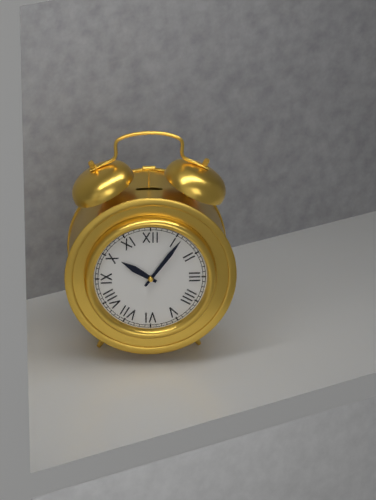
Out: 10,06
